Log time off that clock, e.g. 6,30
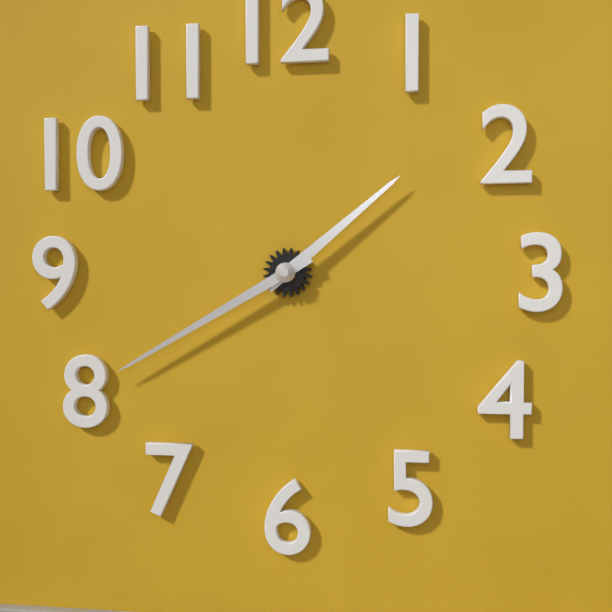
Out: 1,40
